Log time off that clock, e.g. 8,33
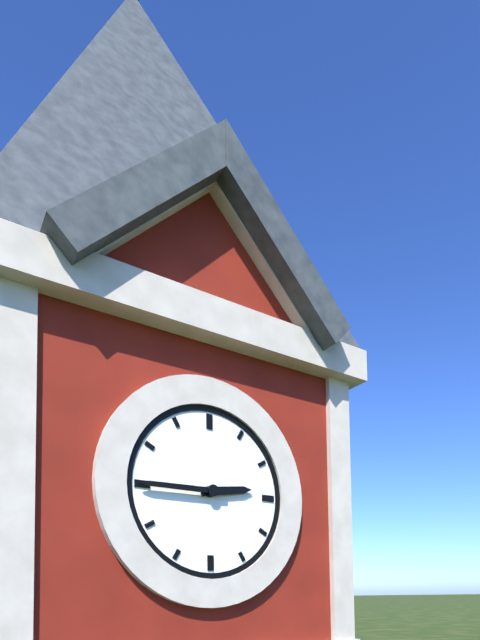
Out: 2,45
